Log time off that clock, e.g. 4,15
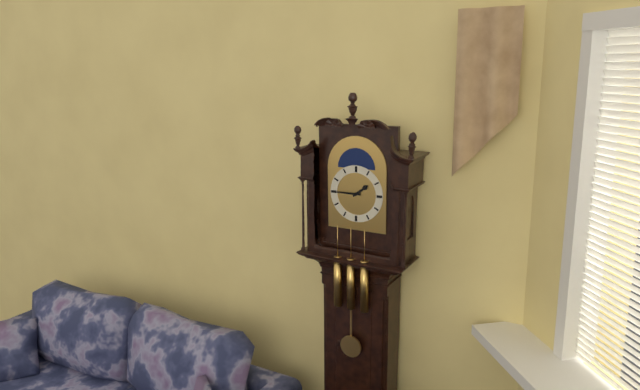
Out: 1,45
